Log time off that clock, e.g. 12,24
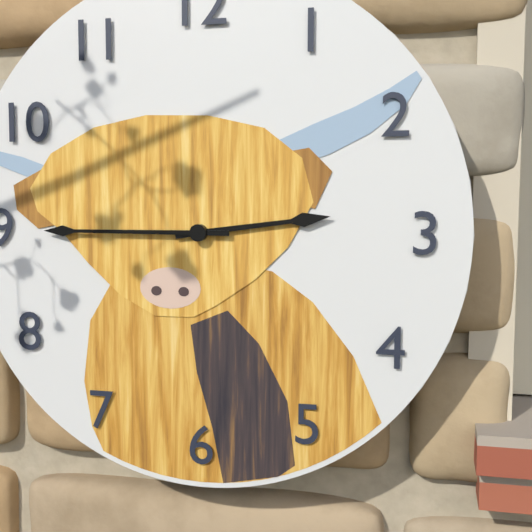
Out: 2,45
